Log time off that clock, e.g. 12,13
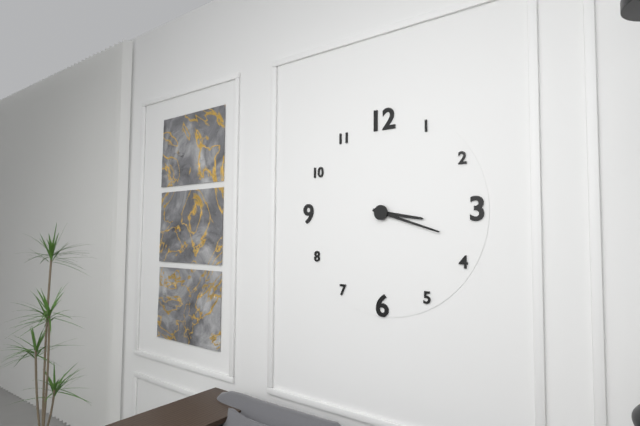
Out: 3,18
